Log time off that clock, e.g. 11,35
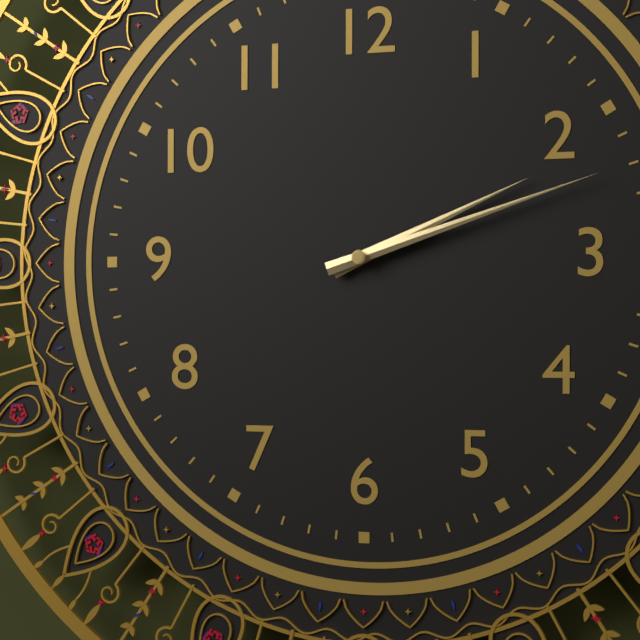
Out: 2,12
